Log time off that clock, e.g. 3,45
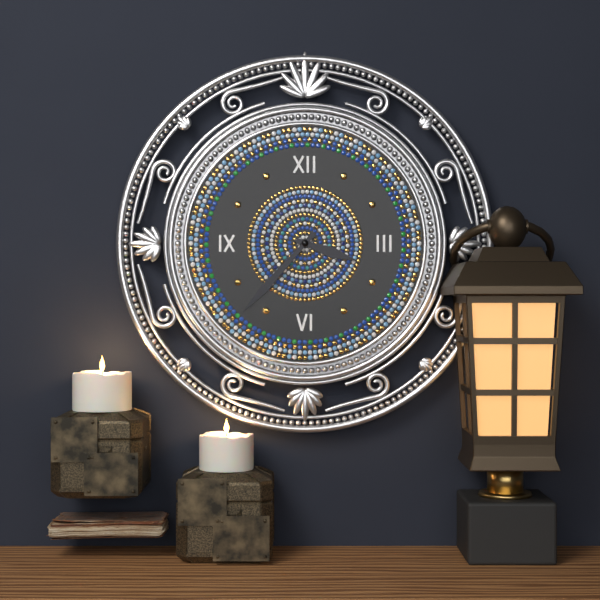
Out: 3,37
